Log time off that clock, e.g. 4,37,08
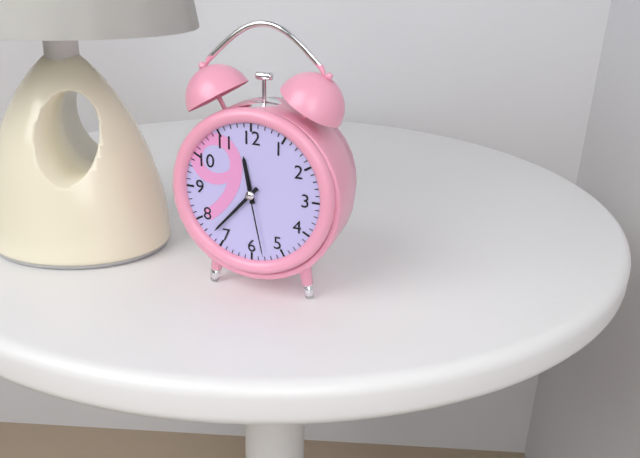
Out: 11,37,28
